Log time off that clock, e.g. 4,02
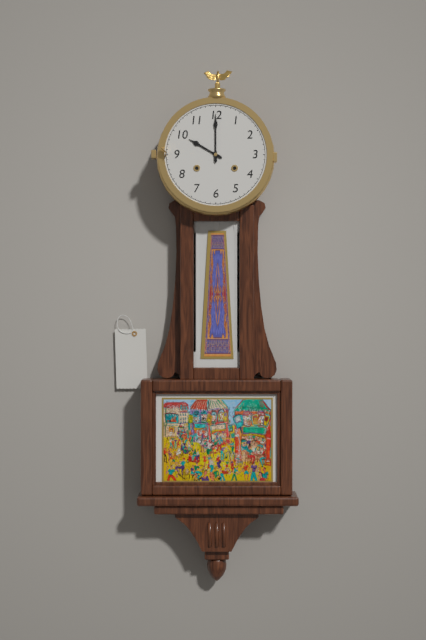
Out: 10,00
